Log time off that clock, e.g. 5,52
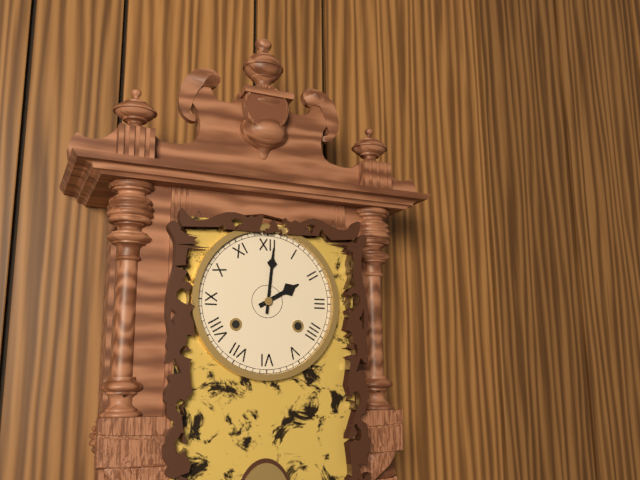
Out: 2,01
